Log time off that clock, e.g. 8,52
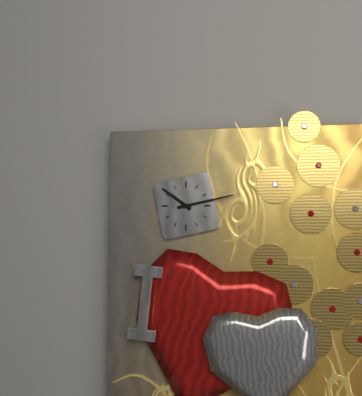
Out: 10,13
